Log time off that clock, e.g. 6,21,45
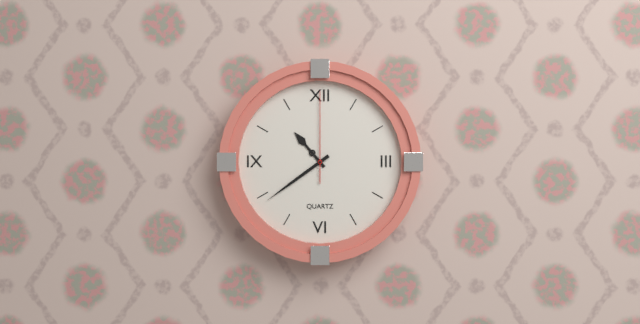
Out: 10,39,00
